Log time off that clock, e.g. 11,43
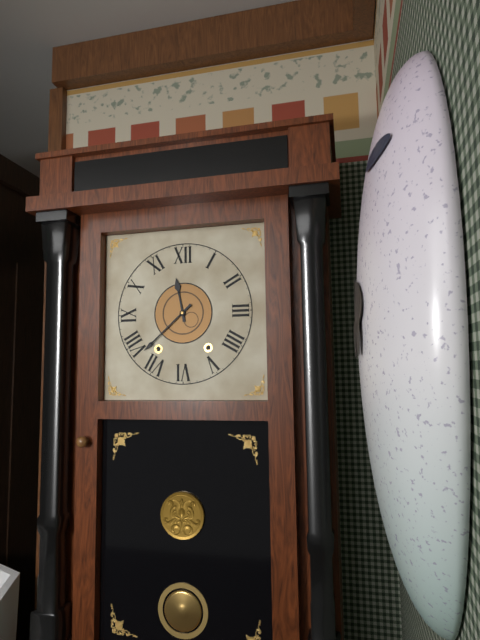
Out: 11,38
